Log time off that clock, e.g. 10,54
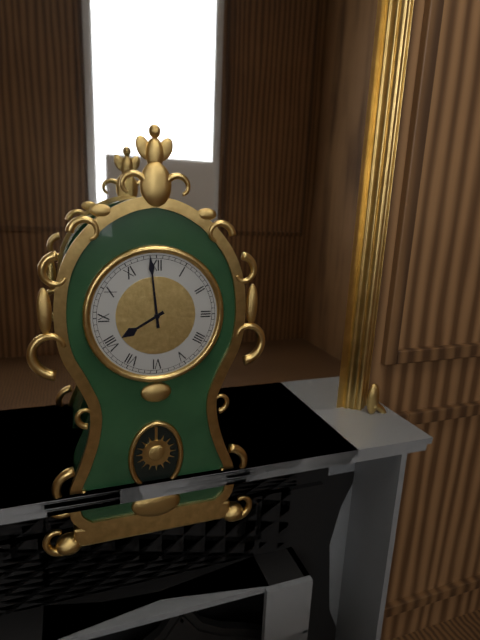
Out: 7,59
